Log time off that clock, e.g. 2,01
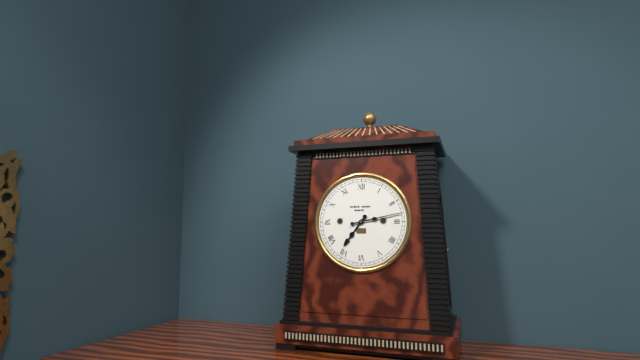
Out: 7,13
